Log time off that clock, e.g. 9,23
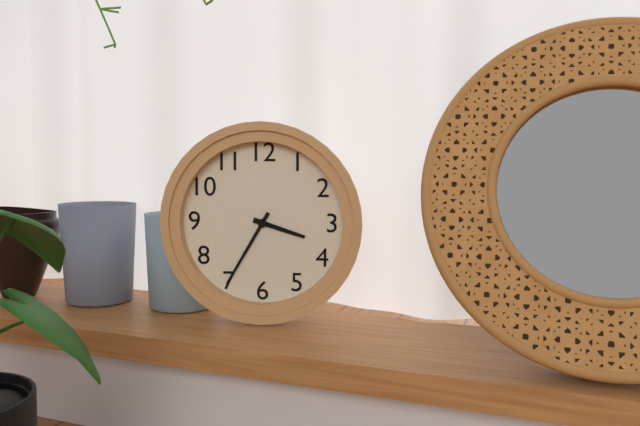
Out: 3,35
